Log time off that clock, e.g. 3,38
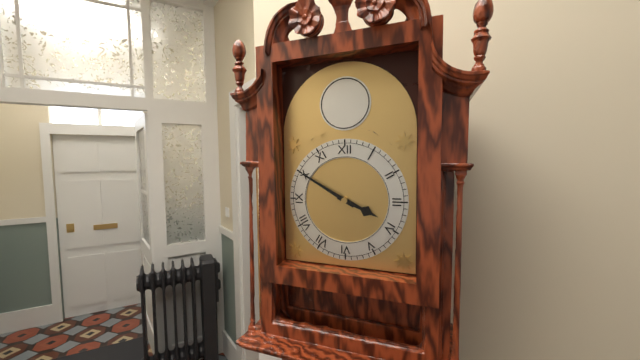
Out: 3,50
